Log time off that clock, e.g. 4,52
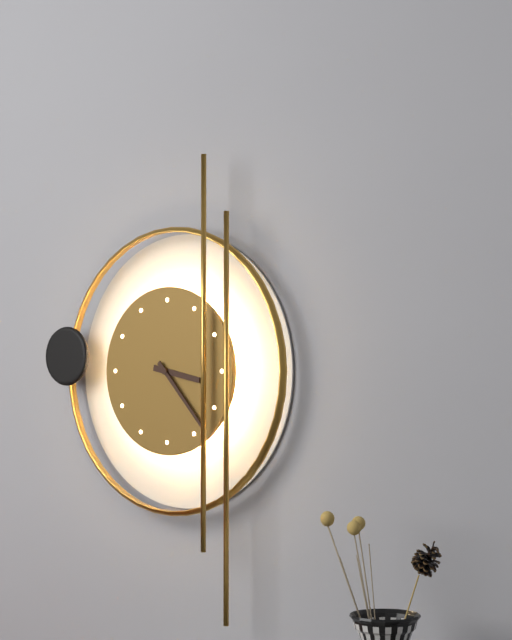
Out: 3,23
